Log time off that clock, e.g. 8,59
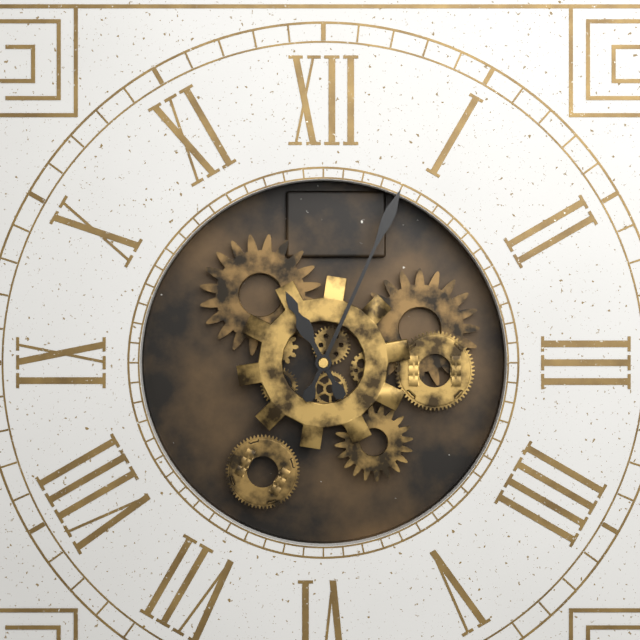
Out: 11,04
